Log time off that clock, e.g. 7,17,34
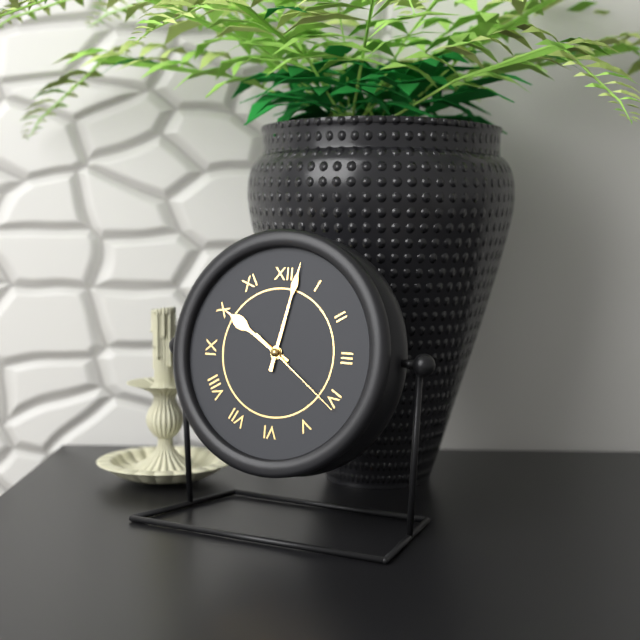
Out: 10,02,21
